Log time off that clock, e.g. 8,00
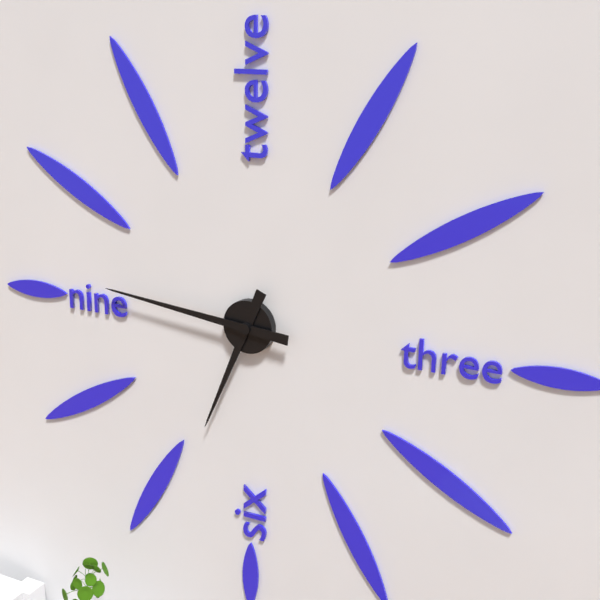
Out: 6,46
